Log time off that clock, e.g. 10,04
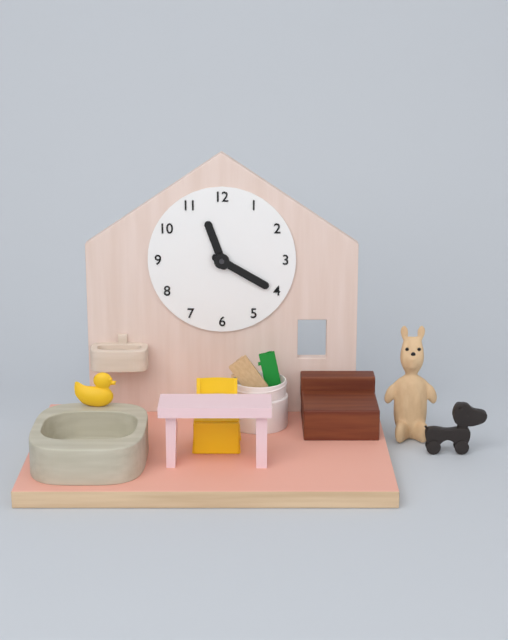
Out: 11,20
